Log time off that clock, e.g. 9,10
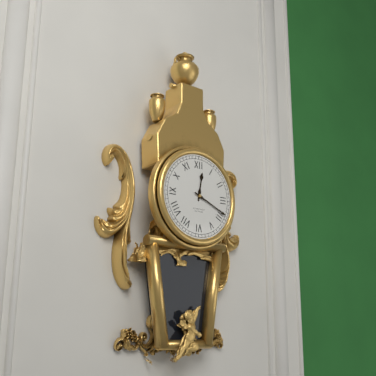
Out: 12,19
